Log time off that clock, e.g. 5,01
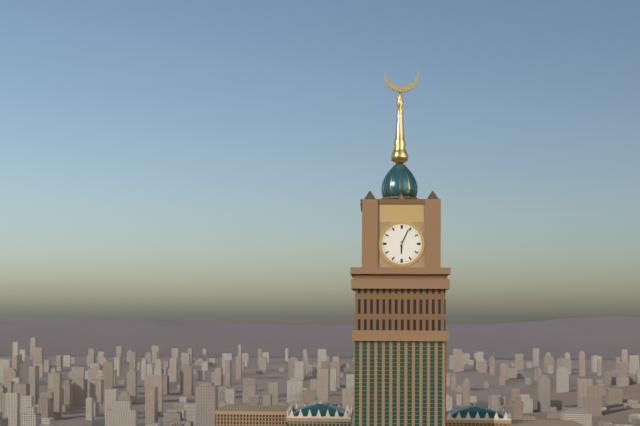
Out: 6,04
